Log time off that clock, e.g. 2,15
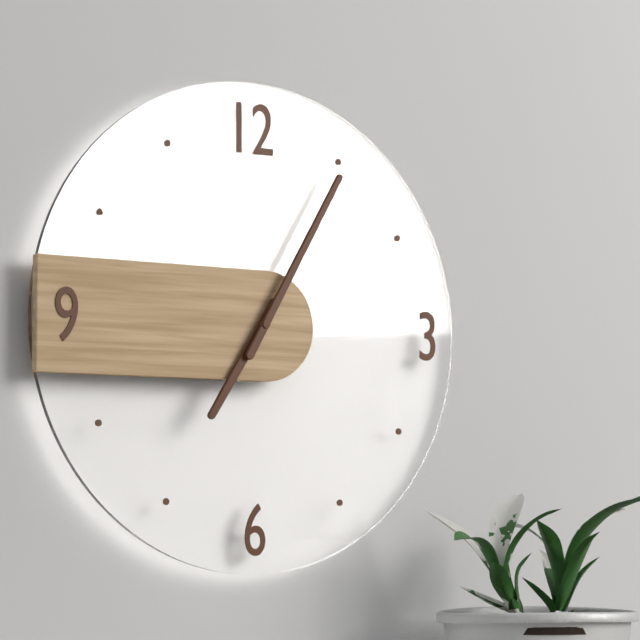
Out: 7,05
